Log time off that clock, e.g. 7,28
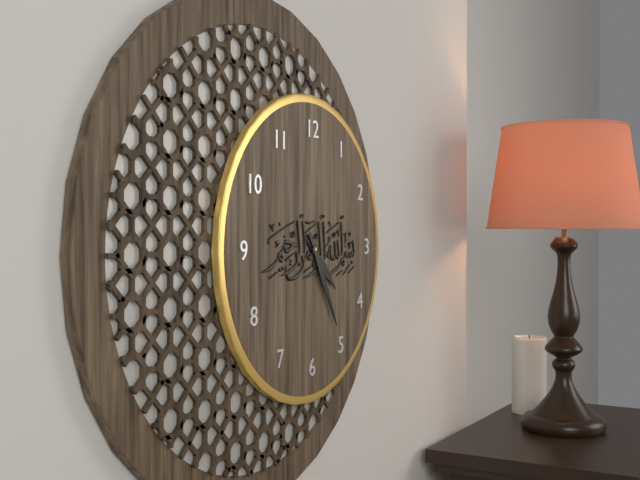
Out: 4,25
